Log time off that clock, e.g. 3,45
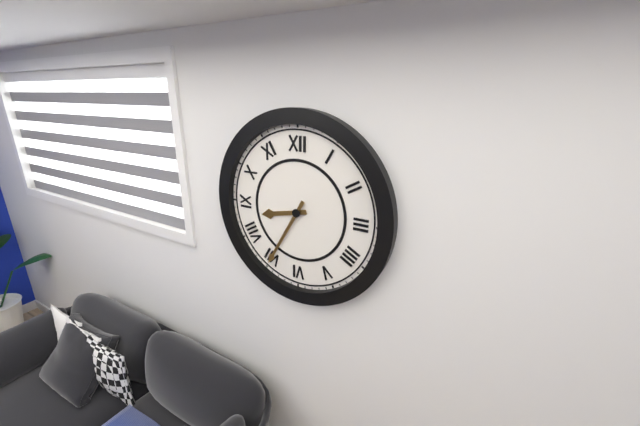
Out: 8,35
